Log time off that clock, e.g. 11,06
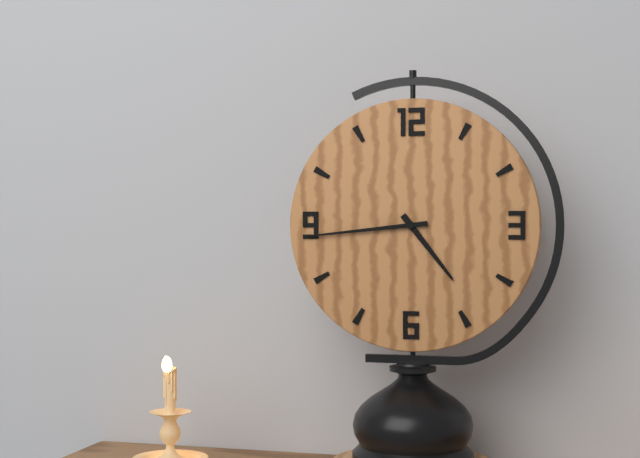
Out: 4,44
